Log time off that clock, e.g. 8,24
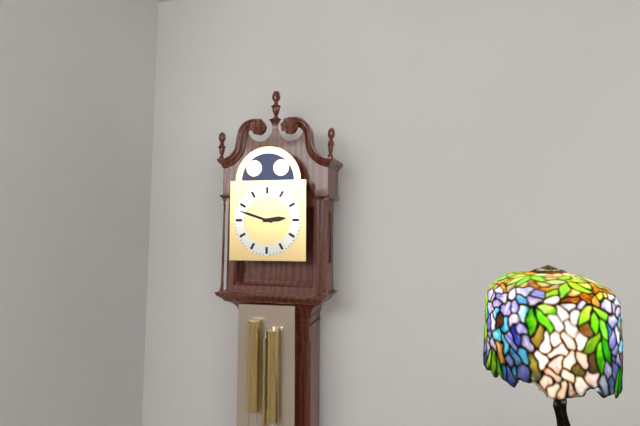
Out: 2,48
